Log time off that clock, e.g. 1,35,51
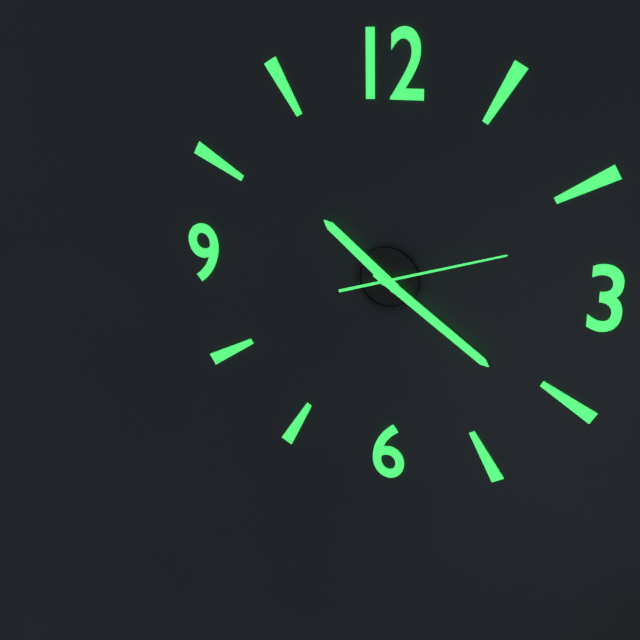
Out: 10,21,12
